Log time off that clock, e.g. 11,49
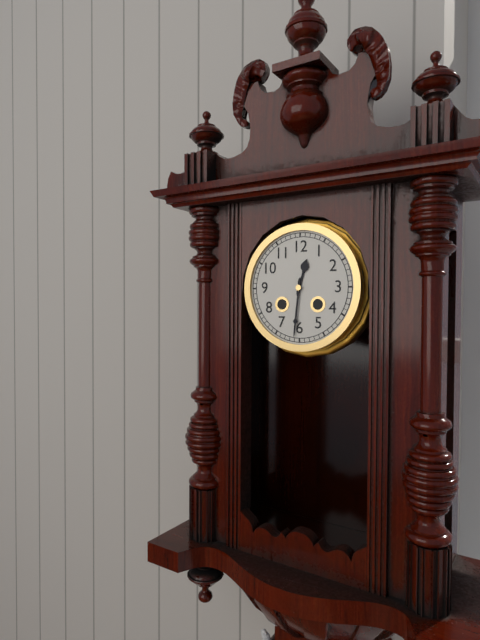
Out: 12,31
